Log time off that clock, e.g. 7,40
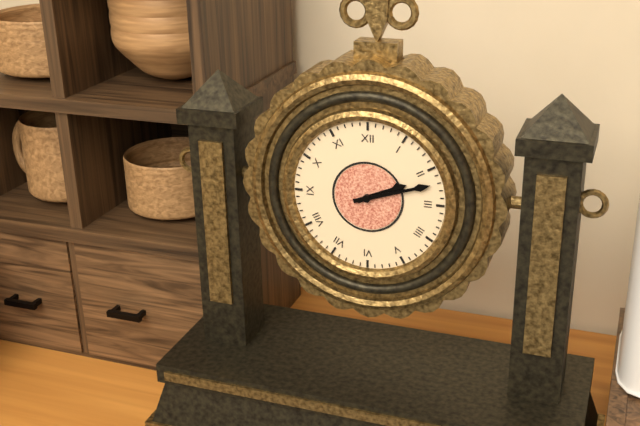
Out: 2,12
